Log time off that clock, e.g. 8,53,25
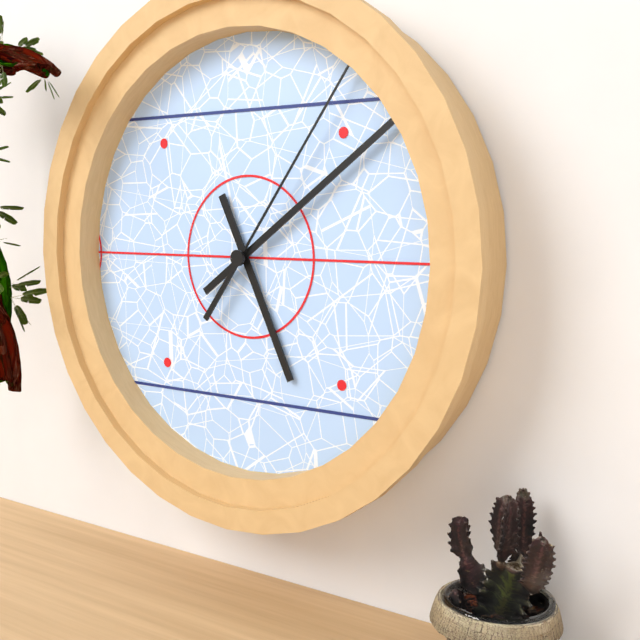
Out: 5,09,06
